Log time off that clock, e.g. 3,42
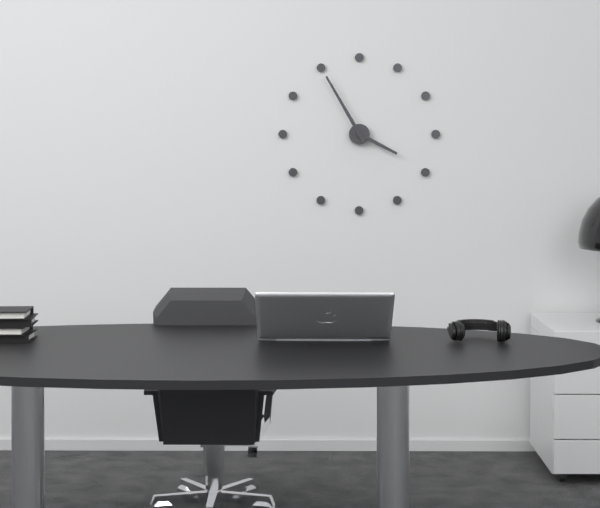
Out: 3,55
